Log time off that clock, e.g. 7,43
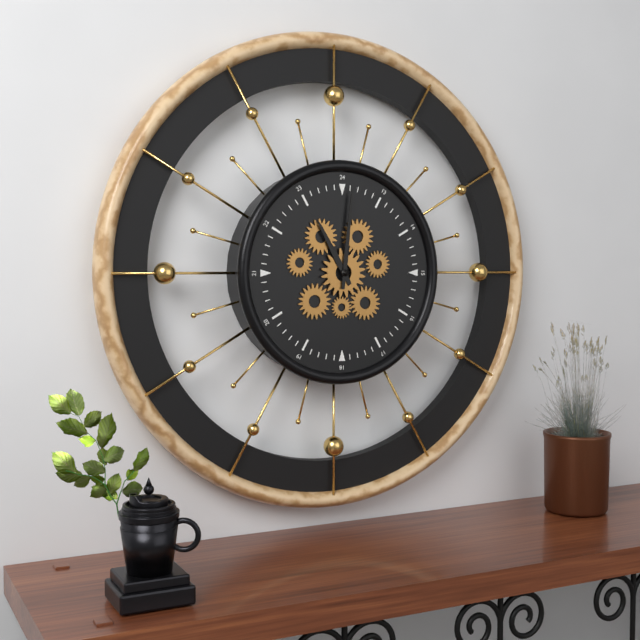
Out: 11,01
